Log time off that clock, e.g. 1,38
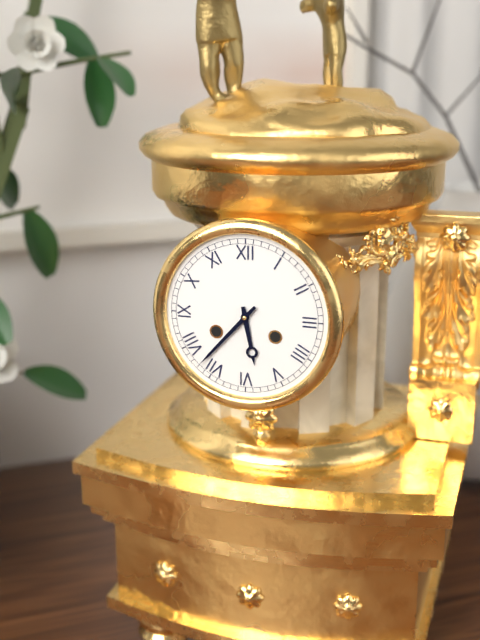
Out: 5,37
